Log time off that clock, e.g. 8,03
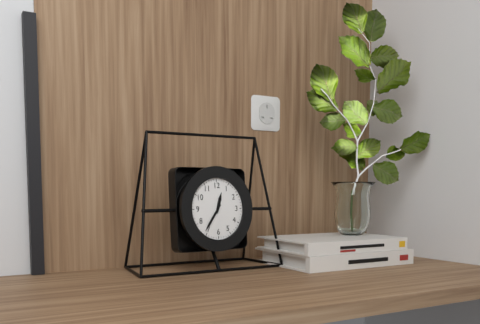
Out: 12,36
